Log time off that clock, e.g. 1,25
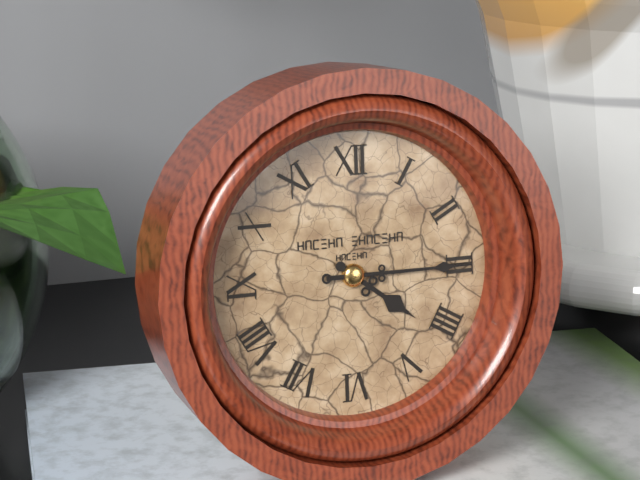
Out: 4,15
